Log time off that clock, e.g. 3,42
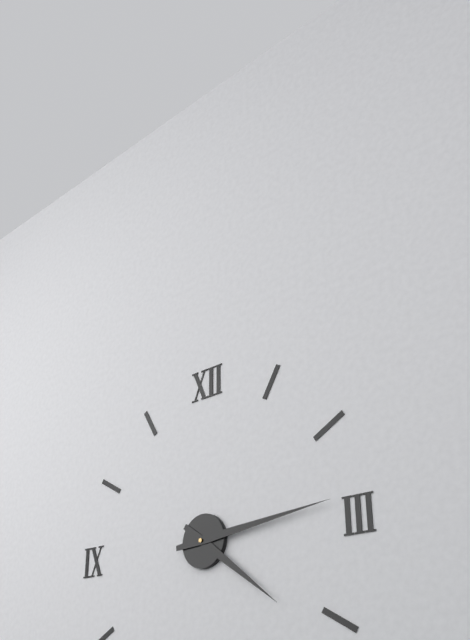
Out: 4,14
